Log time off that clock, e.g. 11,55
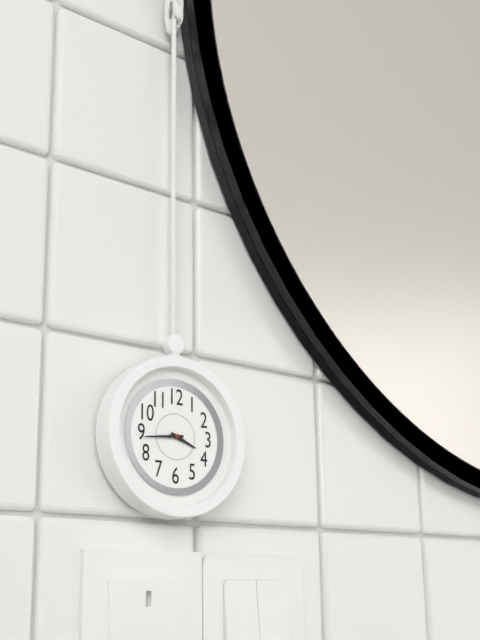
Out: 3,44
